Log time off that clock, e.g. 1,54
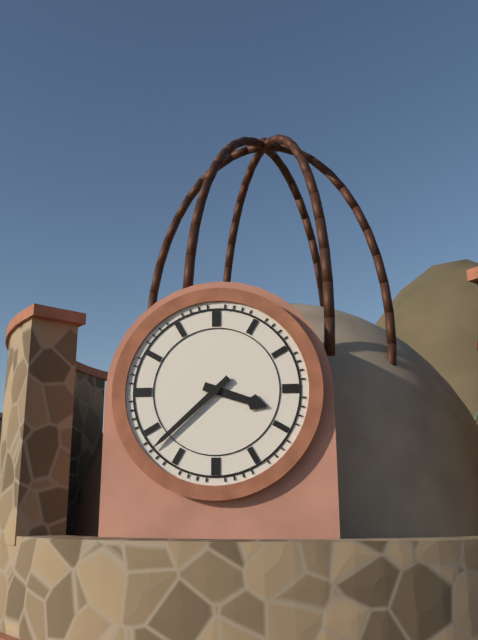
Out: 3,38
